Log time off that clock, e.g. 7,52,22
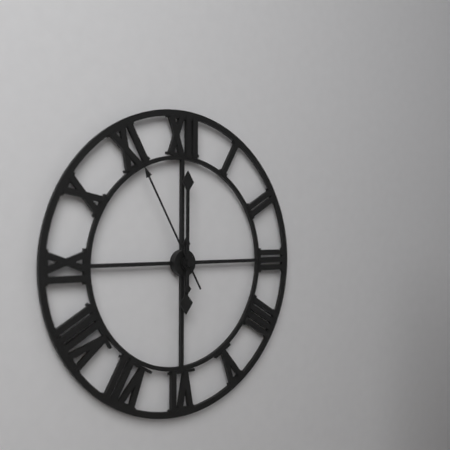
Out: 6,00,55
